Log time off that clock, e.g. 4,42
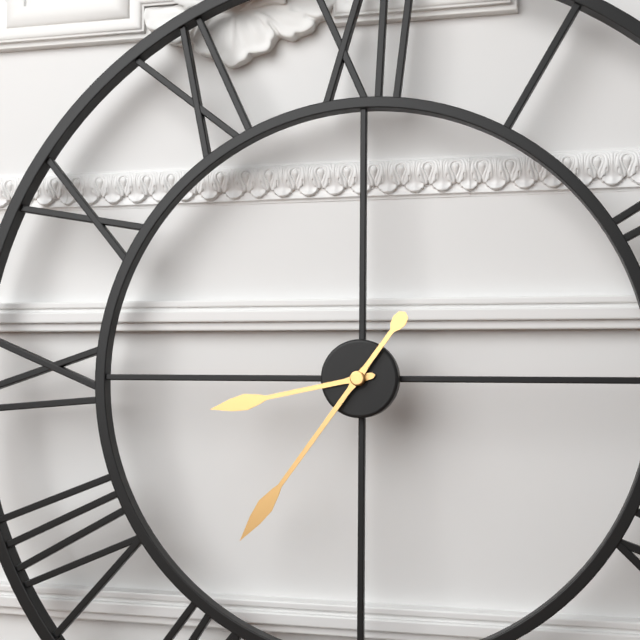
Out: 8,36
